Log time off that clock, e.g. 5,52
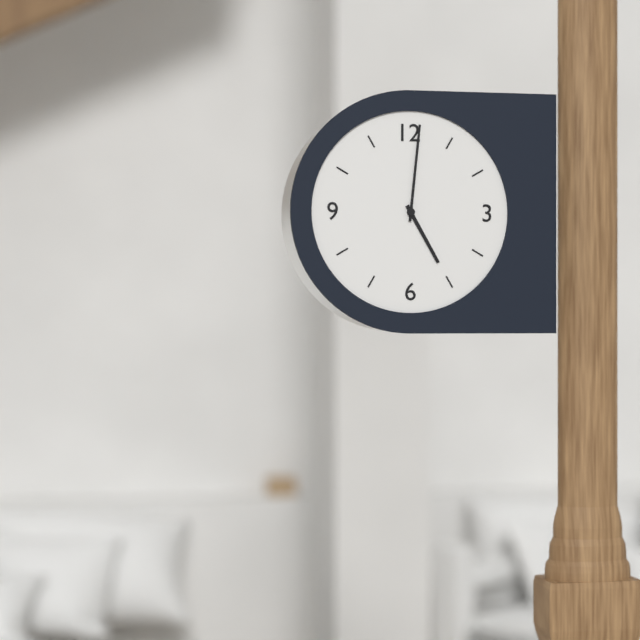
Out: 5,01
